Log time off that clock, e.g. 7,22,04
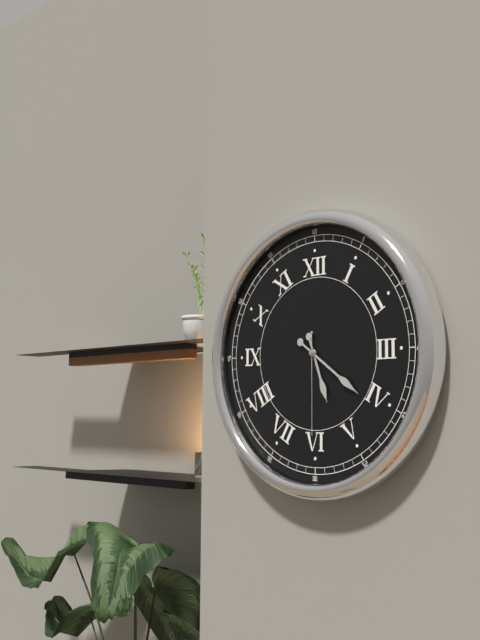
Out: 5,21,30
